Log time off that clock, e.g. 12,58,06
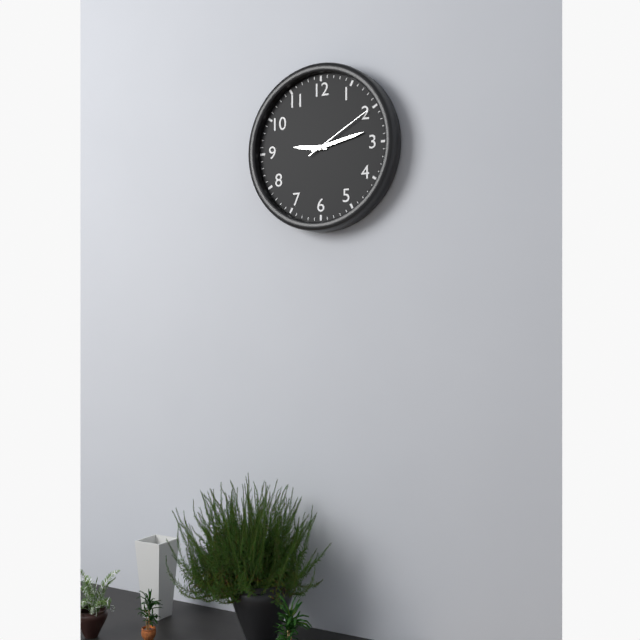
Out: 9,13,10
